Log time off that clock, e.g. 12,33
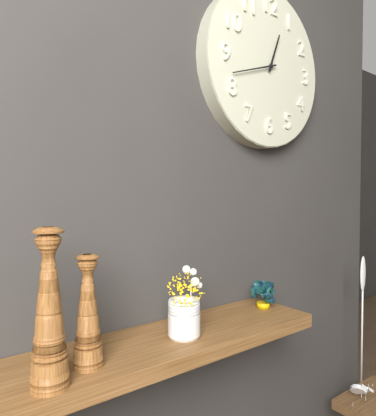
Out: 12,42
